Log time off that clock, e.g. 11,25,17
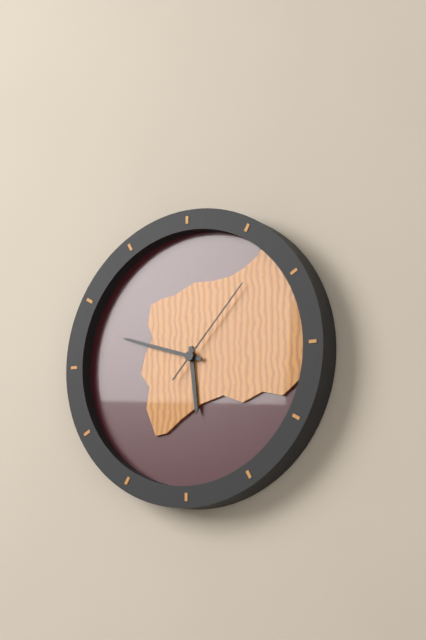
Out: 5,48,07
